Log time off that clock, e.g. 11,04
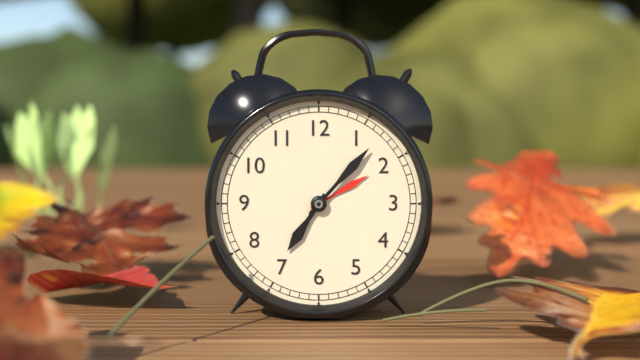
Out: 7,07
